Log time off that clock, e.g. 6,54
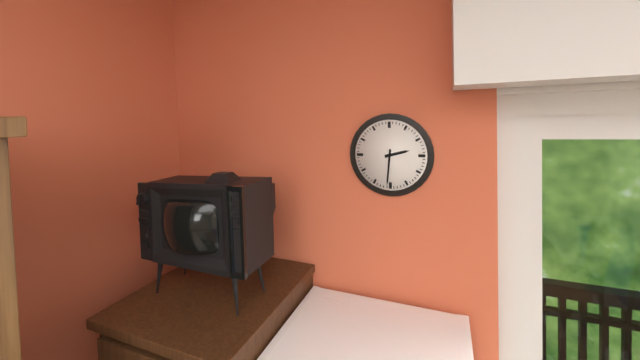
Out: 2,31
